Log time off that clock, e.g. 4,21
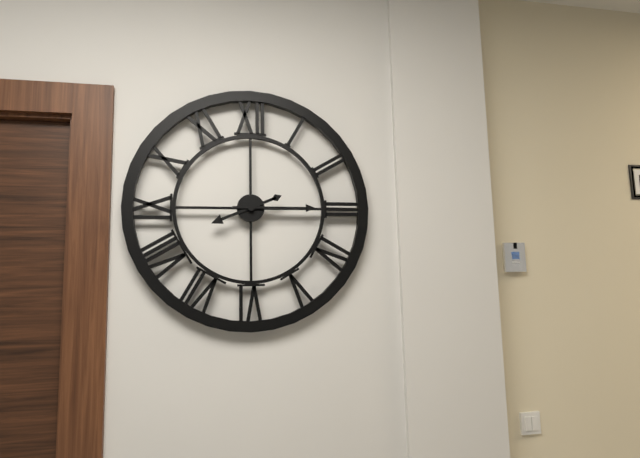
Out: 8,15
